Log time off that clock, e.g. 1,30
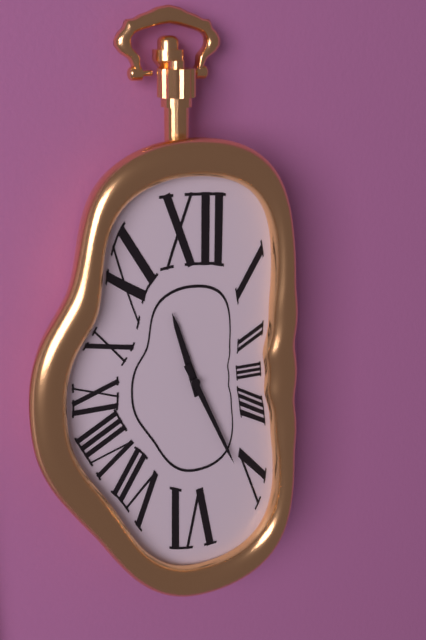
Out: 11,26
